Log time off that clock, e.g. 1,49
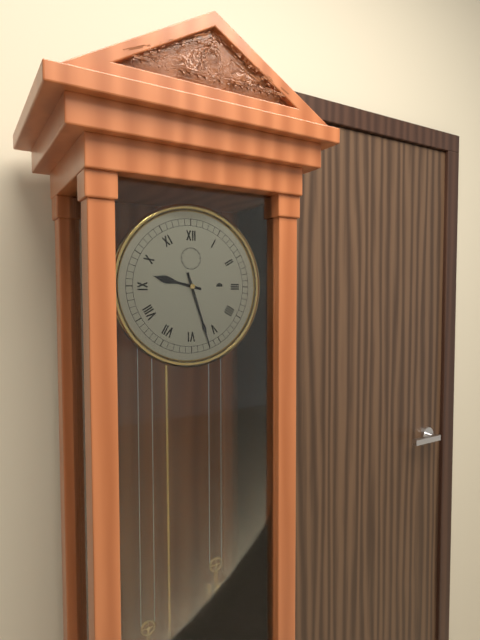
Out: 9,27
